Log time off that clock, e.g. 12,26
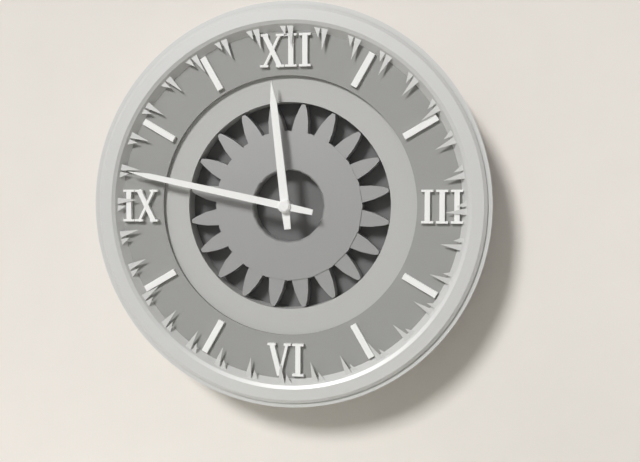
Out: 11,47
